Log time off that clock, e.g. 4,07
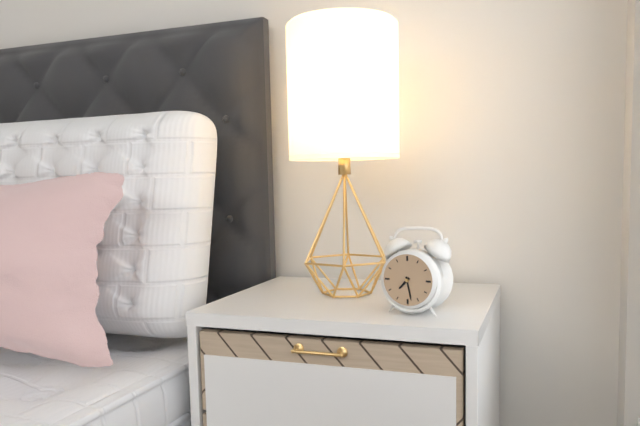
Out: 7,28
